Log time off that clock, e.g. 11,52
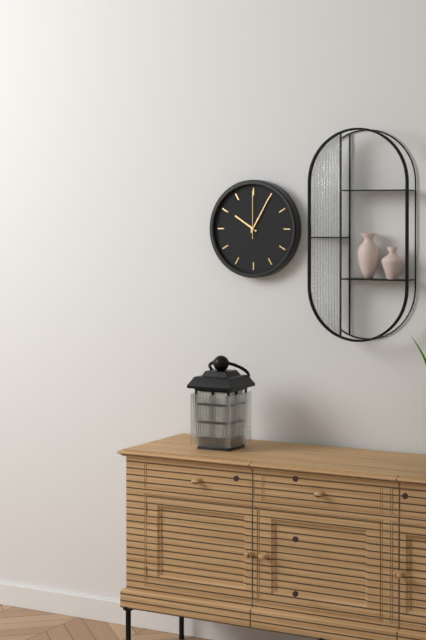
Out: 10,05
